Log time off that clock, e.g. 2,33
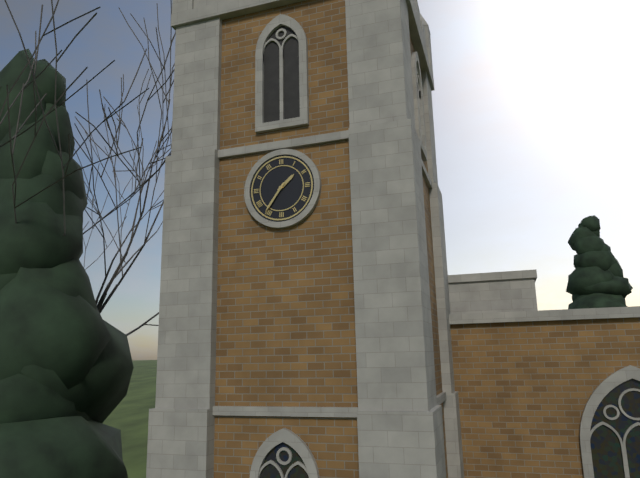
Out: 1,36
